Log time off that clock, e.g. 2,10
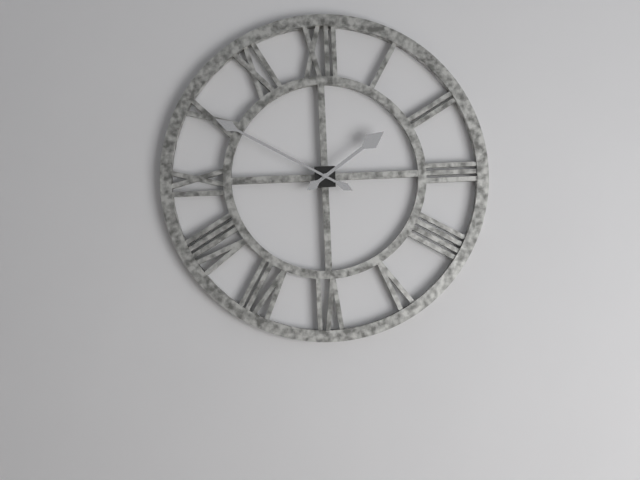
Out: 1,50
